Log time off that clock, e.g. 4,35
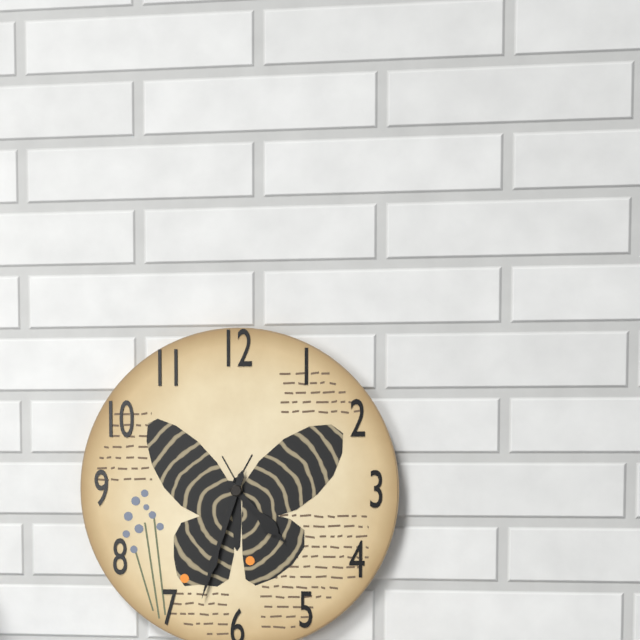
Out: 4,33
